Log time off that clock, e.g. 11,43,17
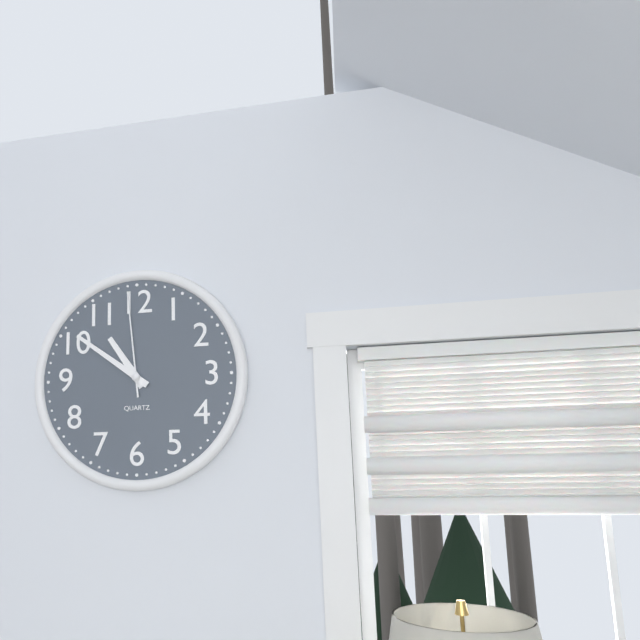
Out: 10,51,59
